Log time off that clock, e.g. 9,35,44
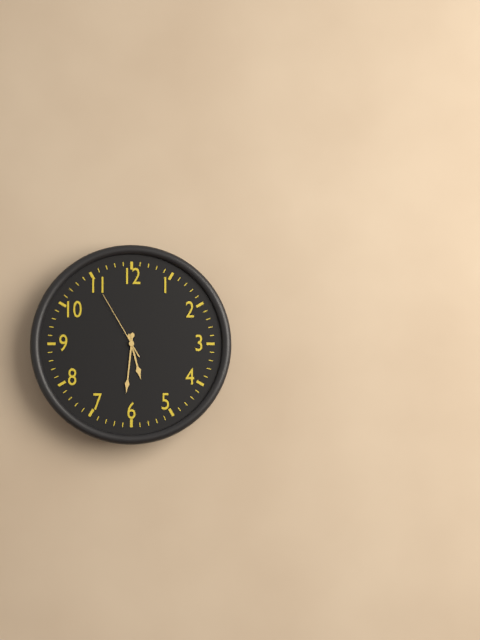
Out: 5,31,55
